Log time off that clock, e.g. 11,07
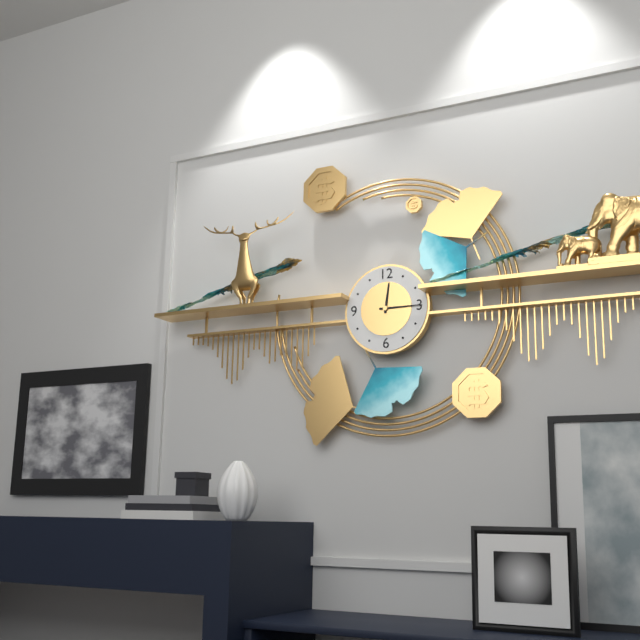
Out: 12,15
